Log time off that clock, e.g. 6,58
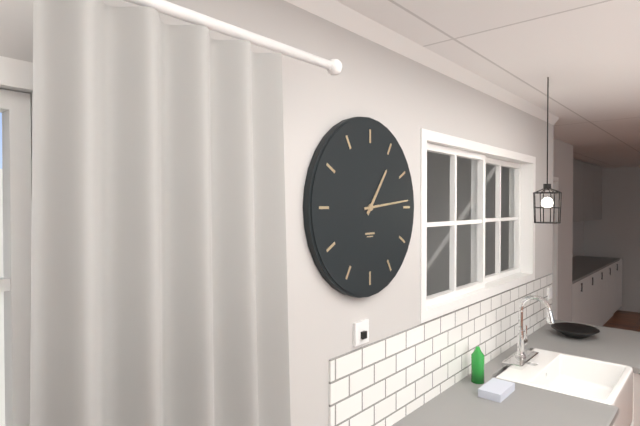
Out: 1,14
